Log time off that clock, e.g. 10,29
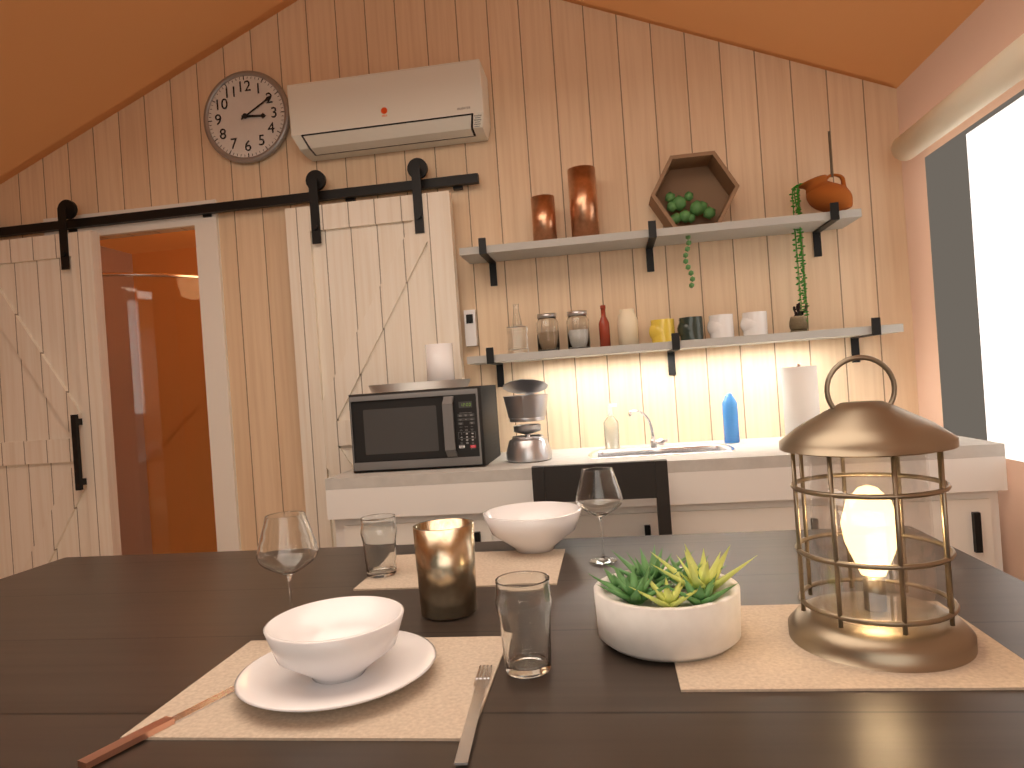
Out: 3,10
